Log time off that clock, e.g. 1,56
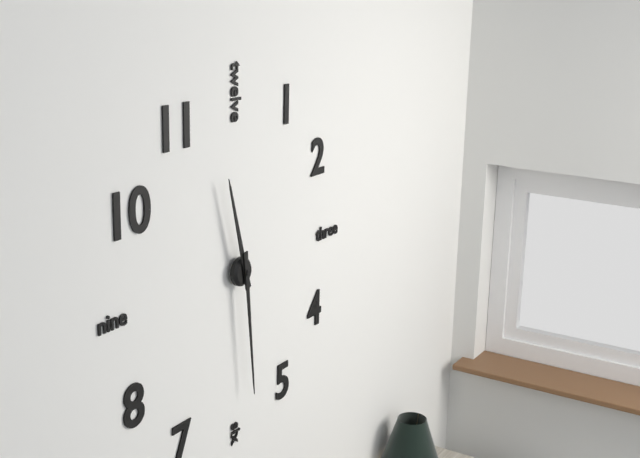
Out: 11,29
